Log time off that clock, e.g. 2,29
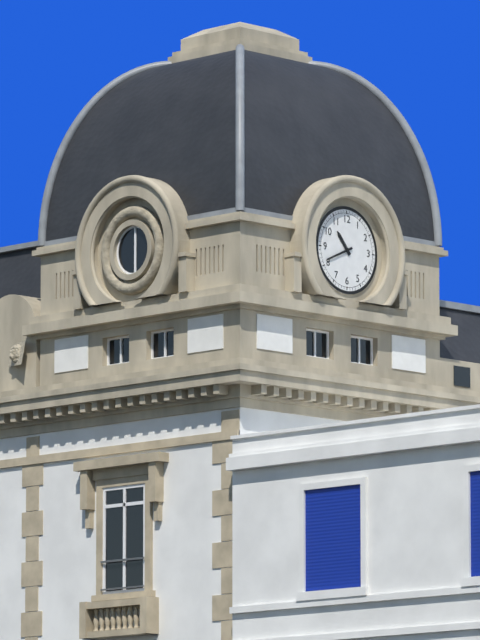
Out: 10,41
